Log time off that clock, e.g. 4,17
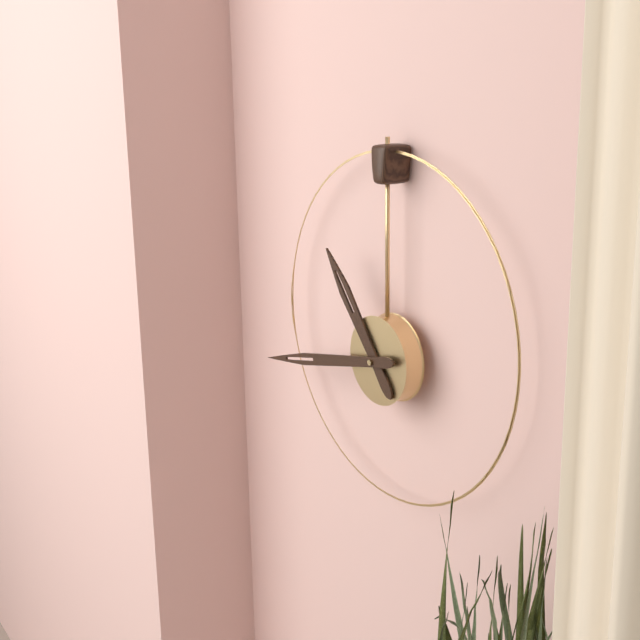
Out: 10,43
